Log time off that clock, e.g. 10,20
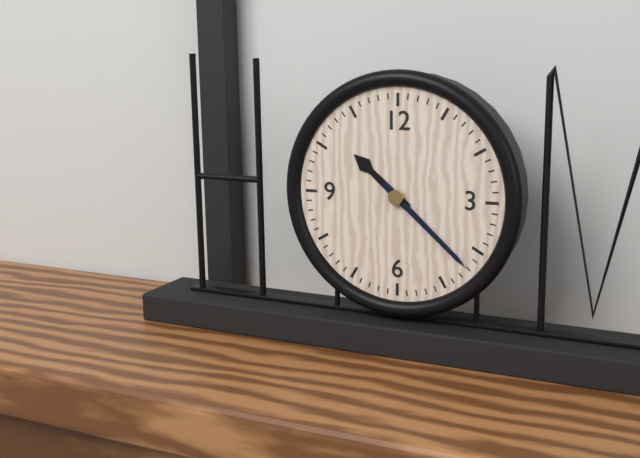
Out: 10,22
